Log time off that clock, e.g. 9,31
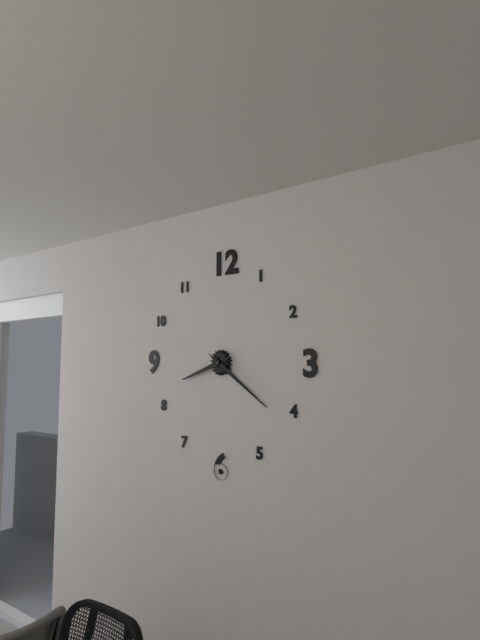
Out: 8,21
